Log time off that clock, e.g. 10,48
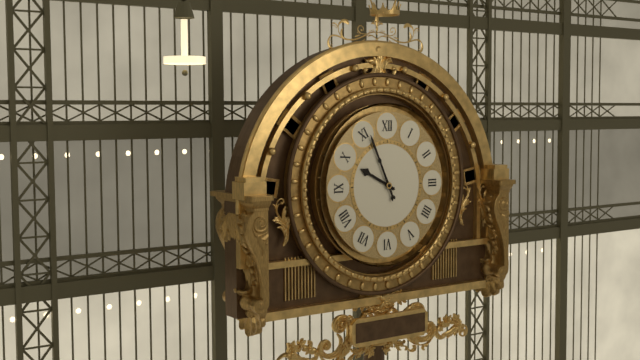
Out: 9,56
